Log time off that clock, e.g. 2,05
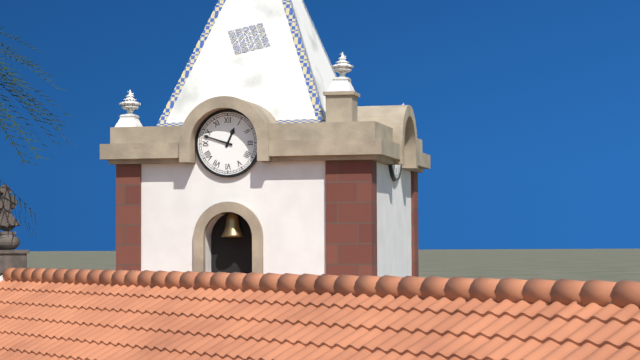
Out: 12,48
